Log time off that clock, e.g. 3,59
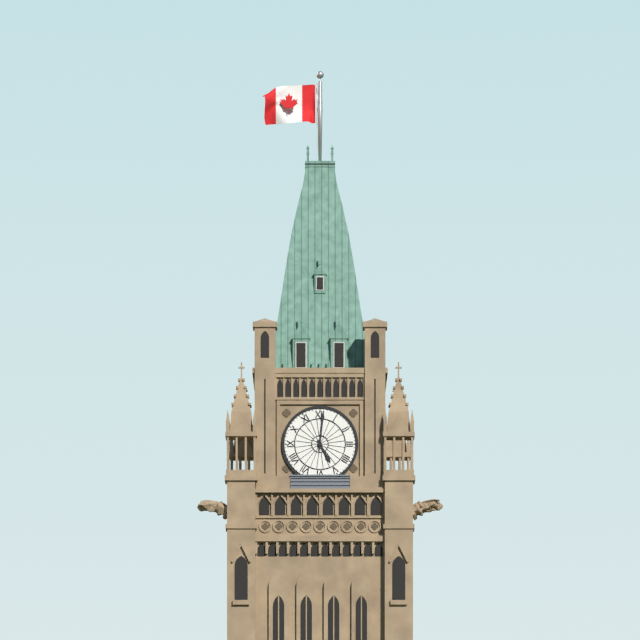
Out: 5,01
